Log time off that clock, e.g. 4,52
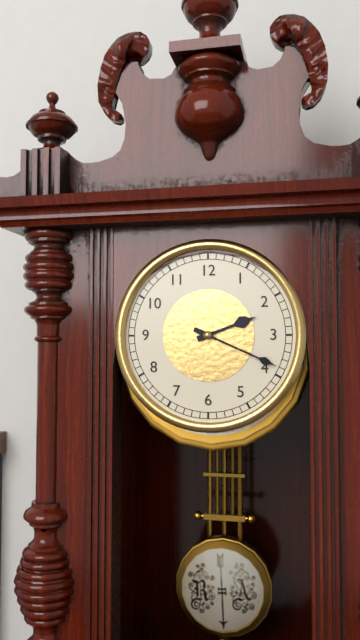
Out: 2,19
